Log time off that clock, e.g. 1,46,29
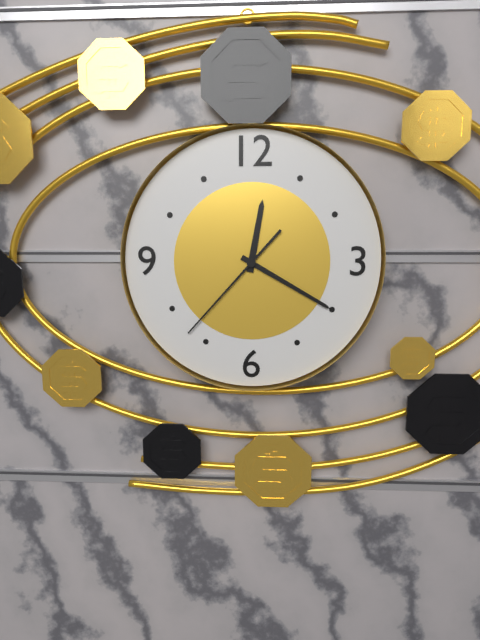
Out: 12,20,37
